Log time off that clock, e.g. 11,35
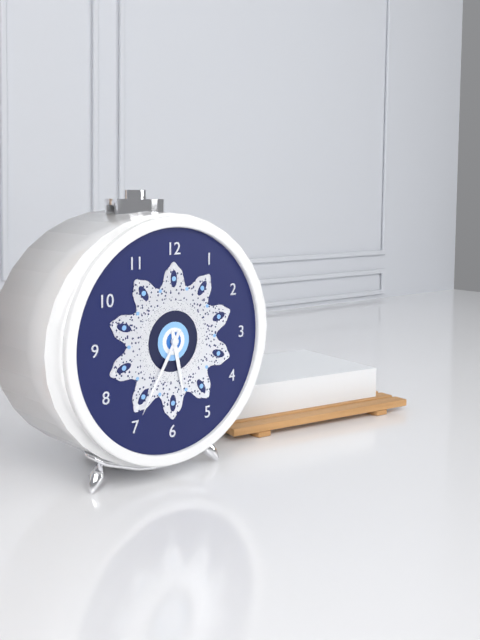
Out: 5,35
